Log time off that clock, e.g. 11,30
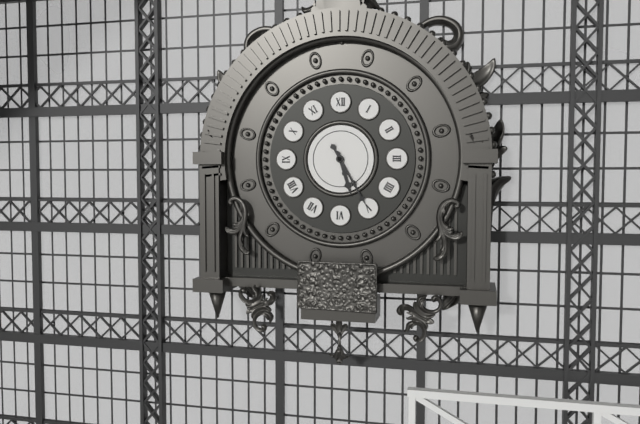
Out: 5,25
